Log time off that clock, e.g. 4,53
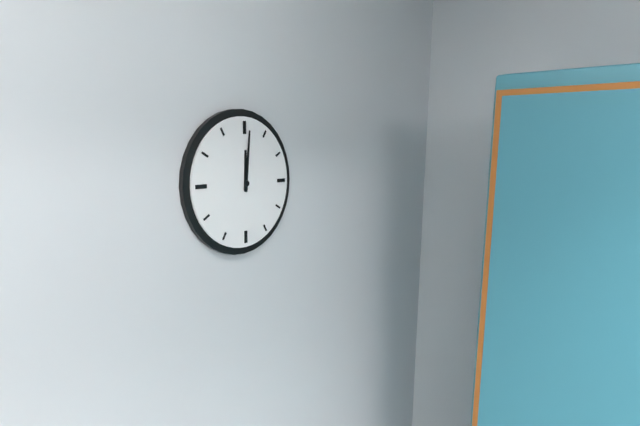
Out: 12,01
